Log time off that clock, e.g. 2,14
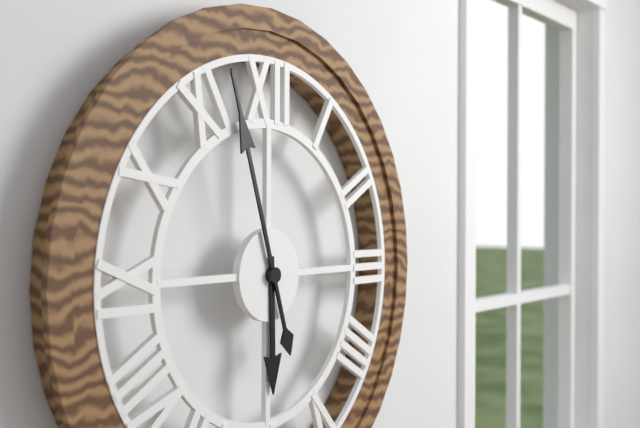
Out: 5,57
